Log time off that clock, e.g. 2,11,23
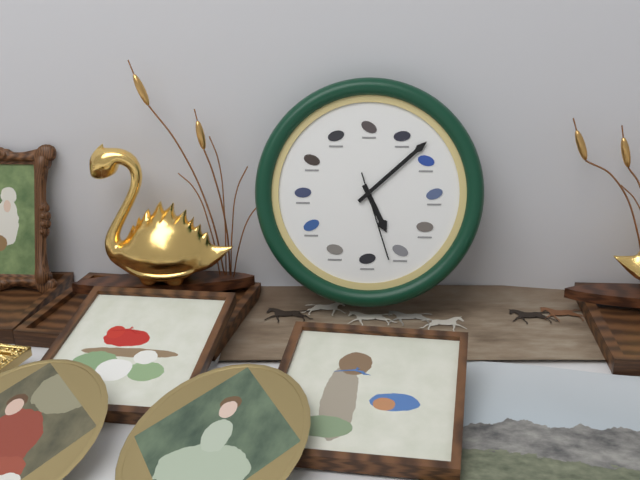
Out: 5,08,27
